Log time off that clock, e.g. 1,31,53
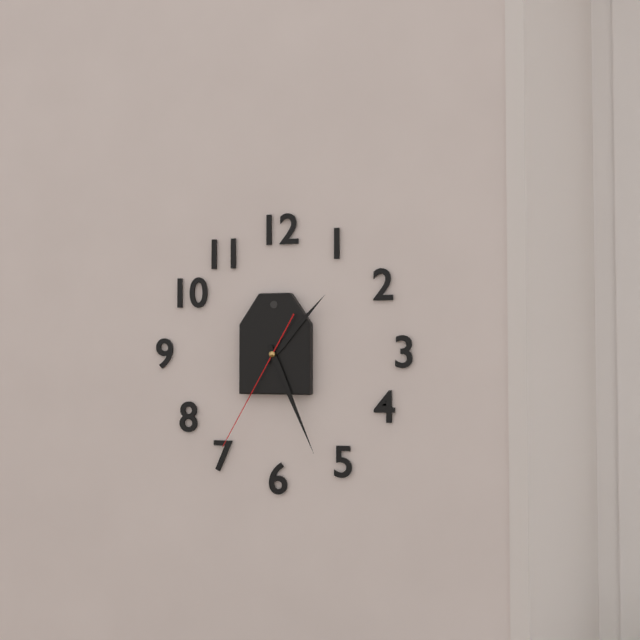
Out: 1,26,35
